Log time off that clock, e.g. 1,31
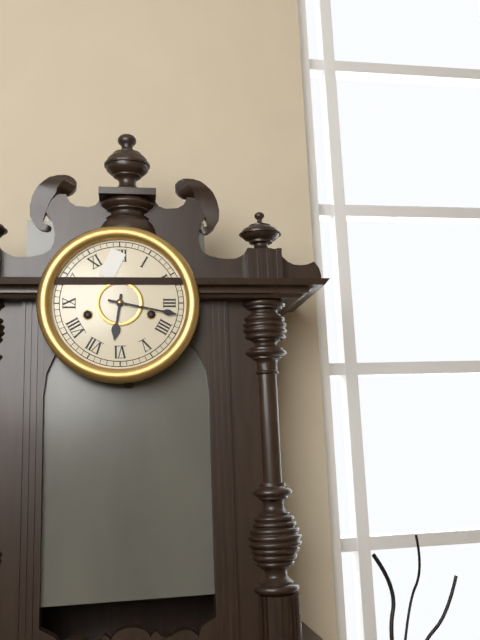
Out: 6,17
